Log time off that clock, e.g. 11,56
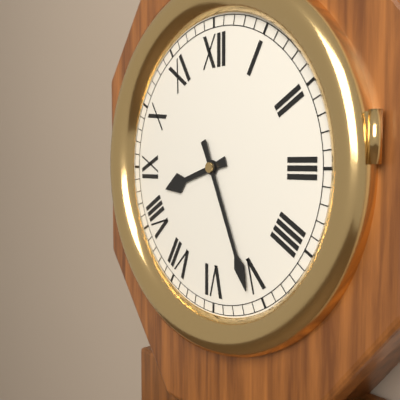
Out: 8,26
